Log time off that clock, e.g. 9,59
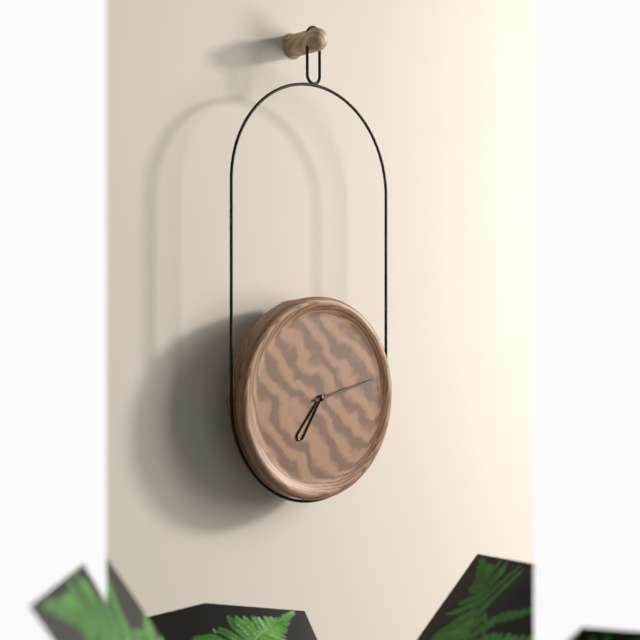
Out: 7,13
